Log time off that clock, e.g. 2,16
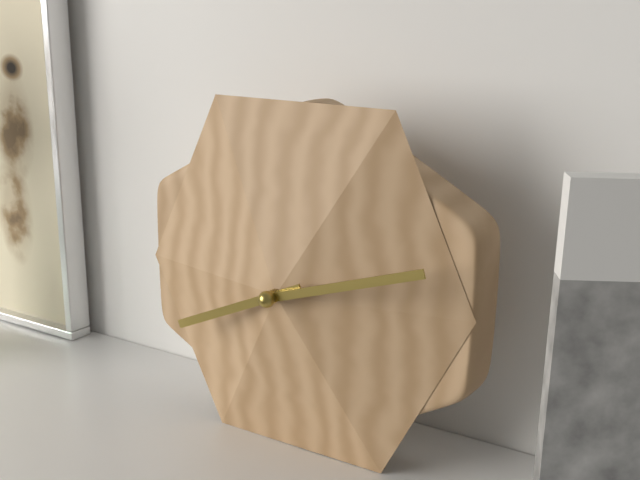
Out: 8,12
